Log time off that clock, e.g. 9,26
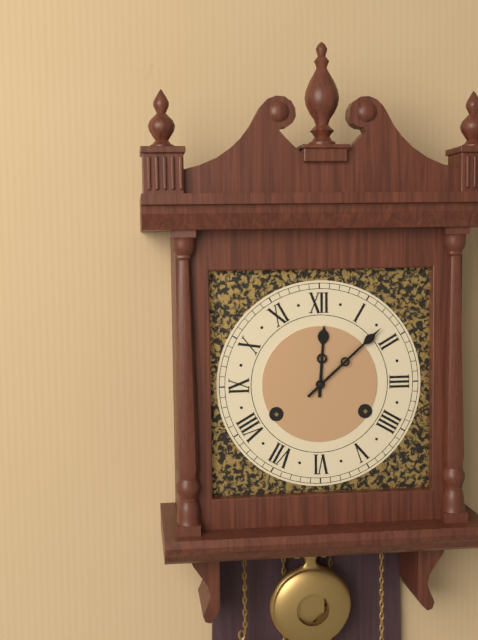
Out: 12,08
